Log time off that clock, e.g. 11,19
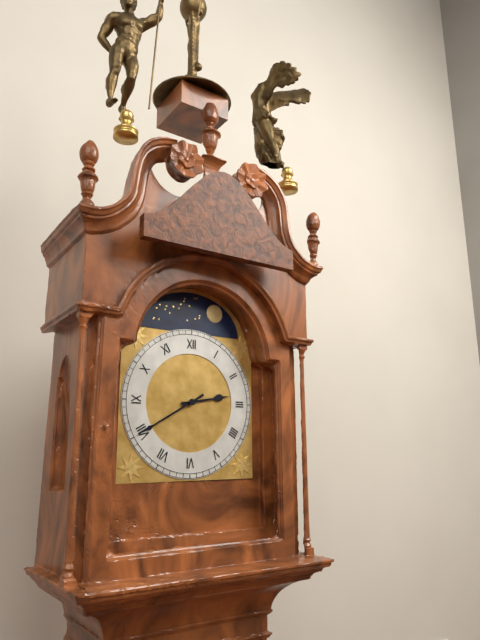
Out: 2,40
